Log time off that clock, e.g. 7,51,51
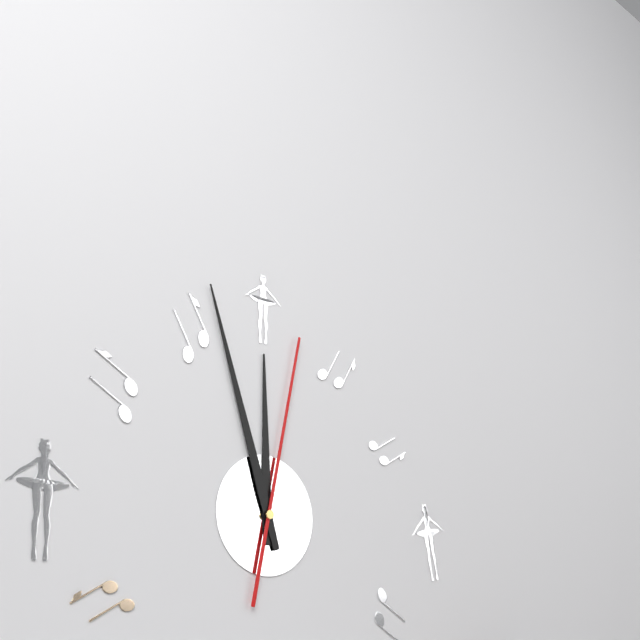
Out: 11,57,02
